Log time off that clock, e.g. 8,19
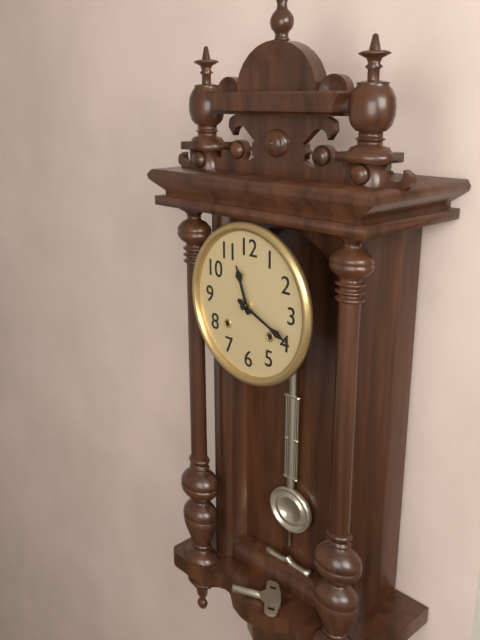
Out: 11,19
